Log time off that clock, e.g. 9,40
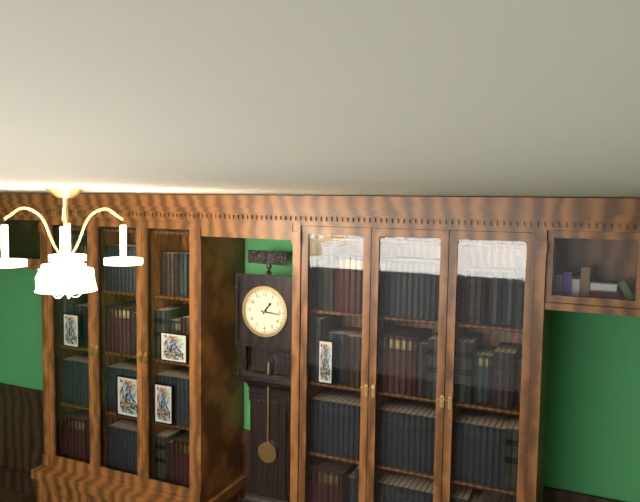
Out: 1,16
